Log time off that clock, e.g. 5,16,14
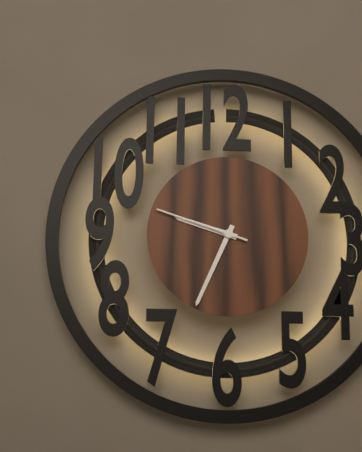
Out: 9,34,48
